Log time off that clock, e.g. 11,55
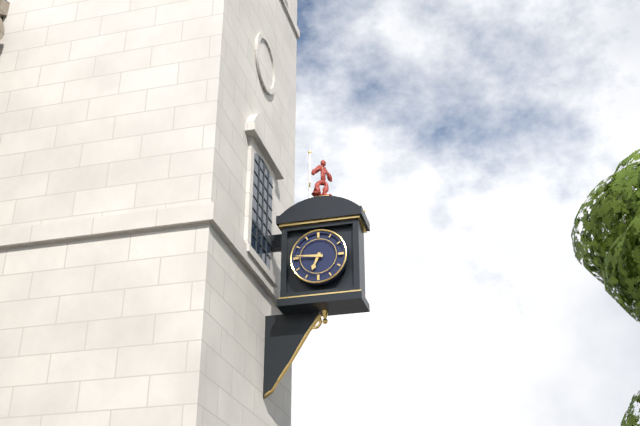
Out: 6,46
